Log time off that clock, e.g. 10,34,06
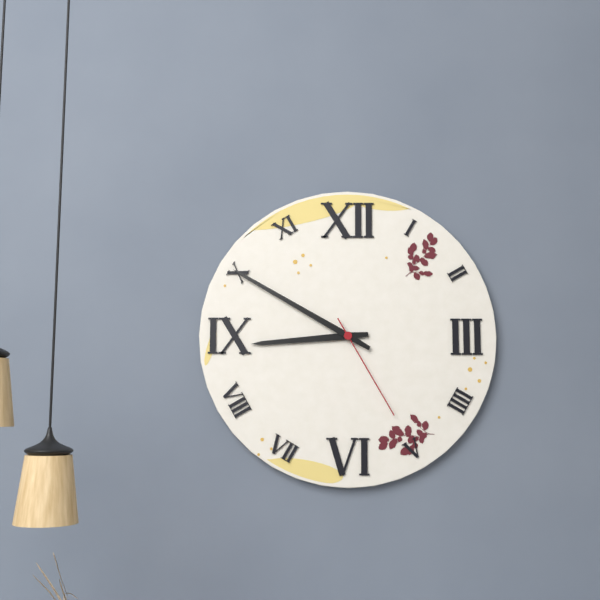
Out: 8,50,25
